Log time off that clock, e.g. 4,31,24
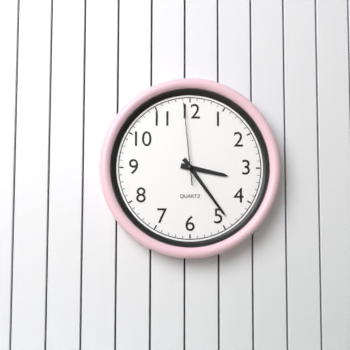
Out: 3,24,59
